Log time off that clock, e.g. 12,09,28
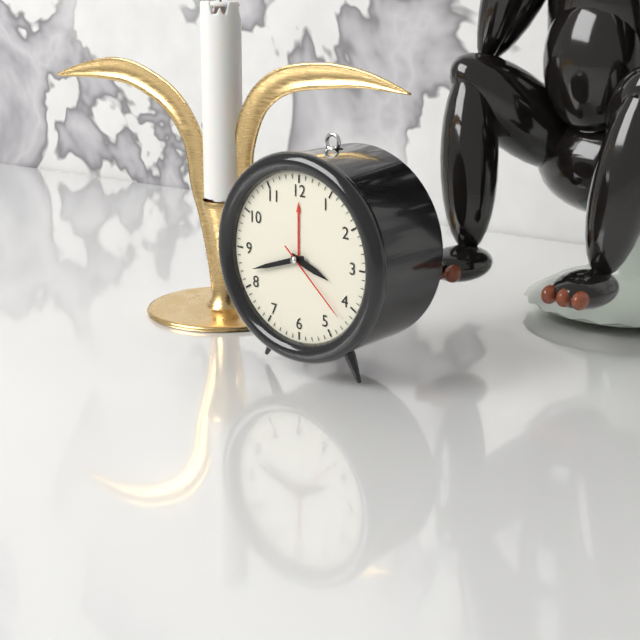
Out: 3,42,22
